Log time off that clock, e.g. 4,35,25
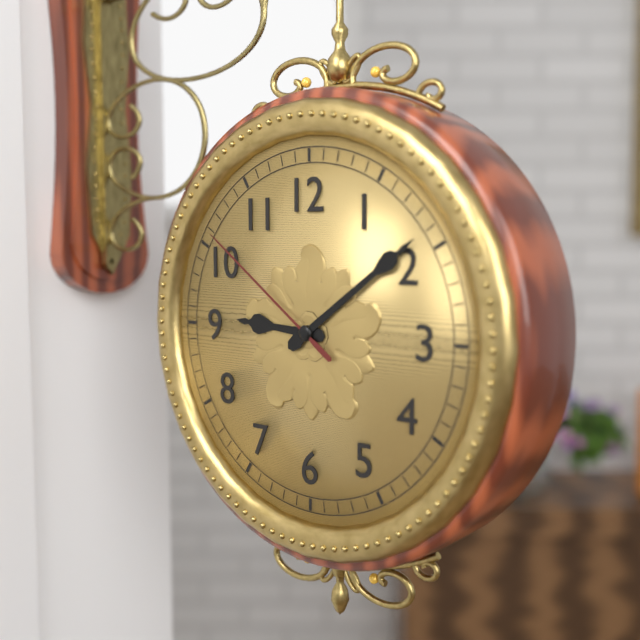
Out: 9,09,51
